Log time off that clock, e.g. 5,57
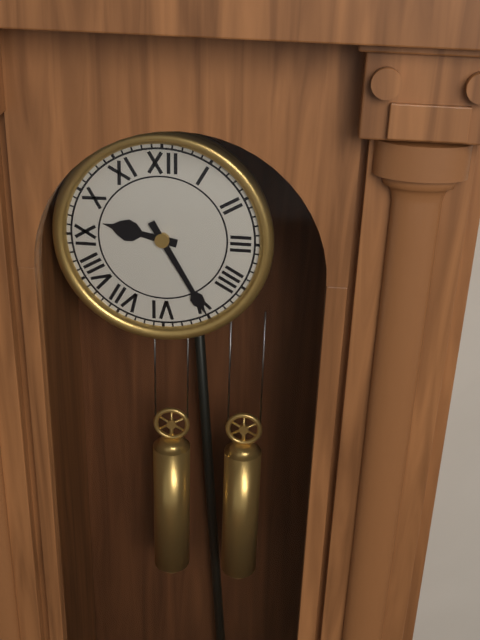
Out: 9,25
